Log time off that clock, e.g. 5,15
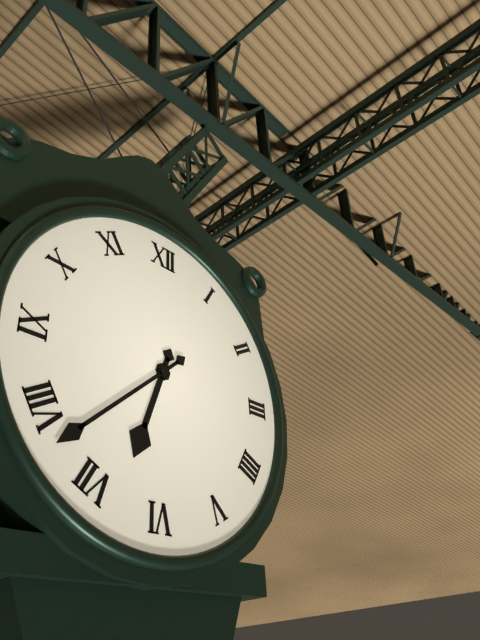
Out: 6,38
